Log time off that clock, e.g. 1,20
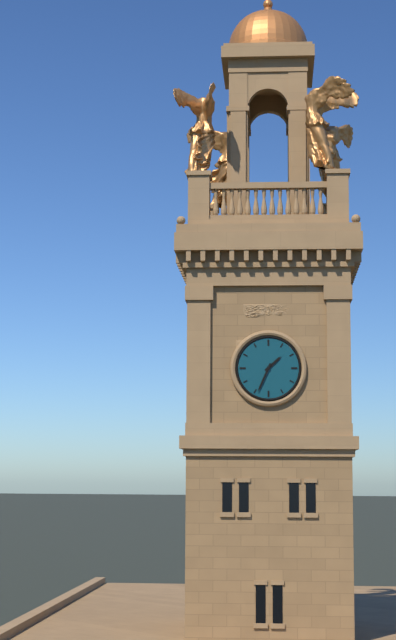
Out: 1,34
